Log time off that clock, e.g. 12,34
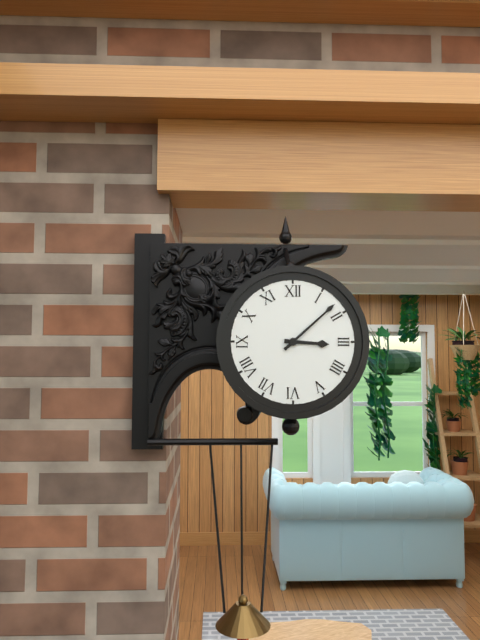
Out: 3,08
